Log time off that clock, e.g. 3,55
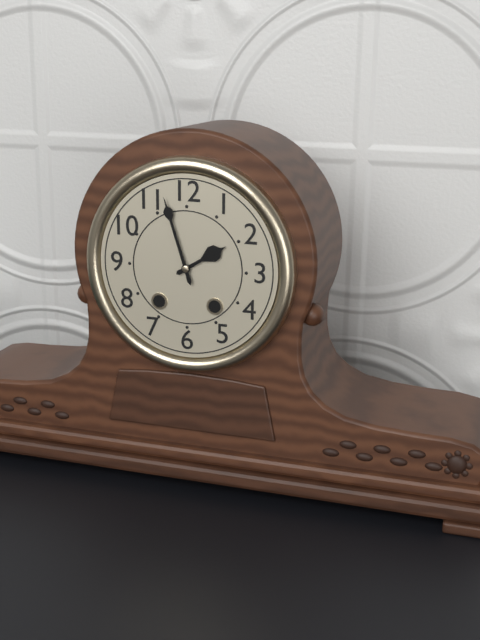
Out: 1,57
